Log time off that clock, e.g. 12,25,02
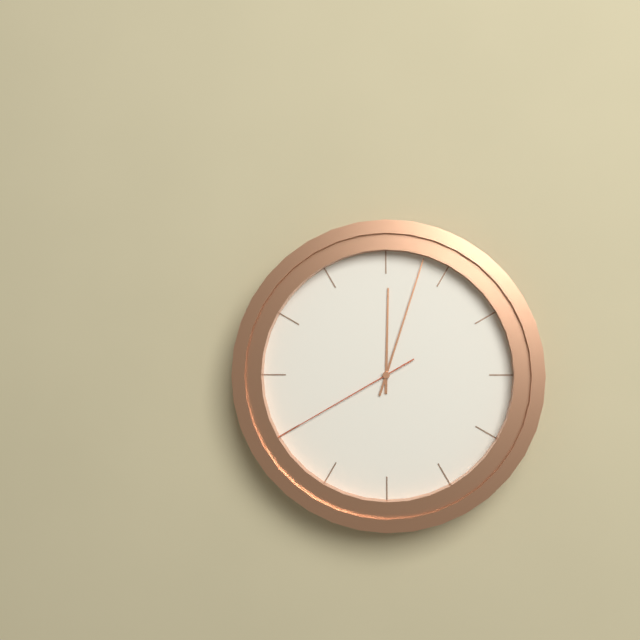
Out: 12,03,40
